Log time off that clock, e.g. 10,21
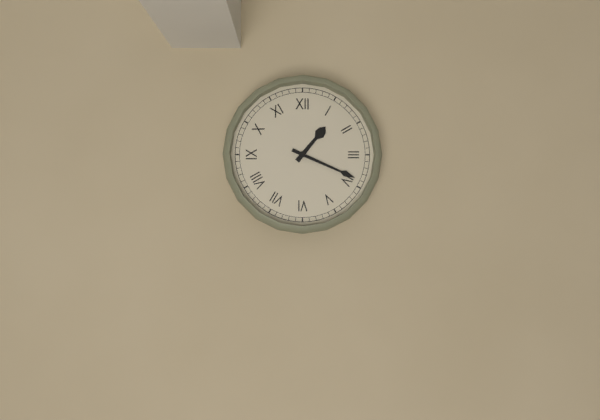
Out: 1,19
